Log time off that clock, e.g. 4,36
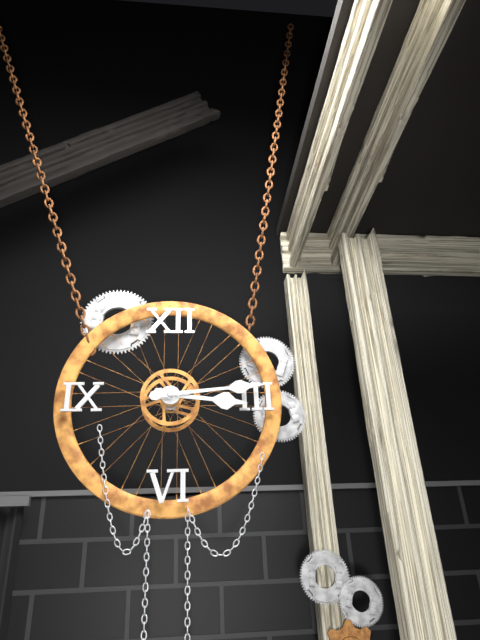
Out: 3,14
